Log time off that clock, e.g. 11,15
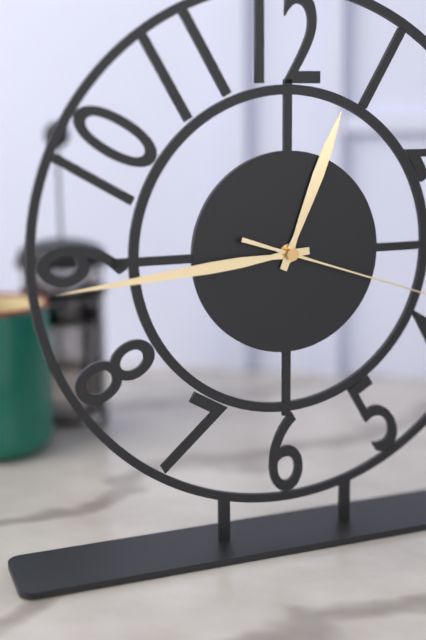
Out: 12,44
